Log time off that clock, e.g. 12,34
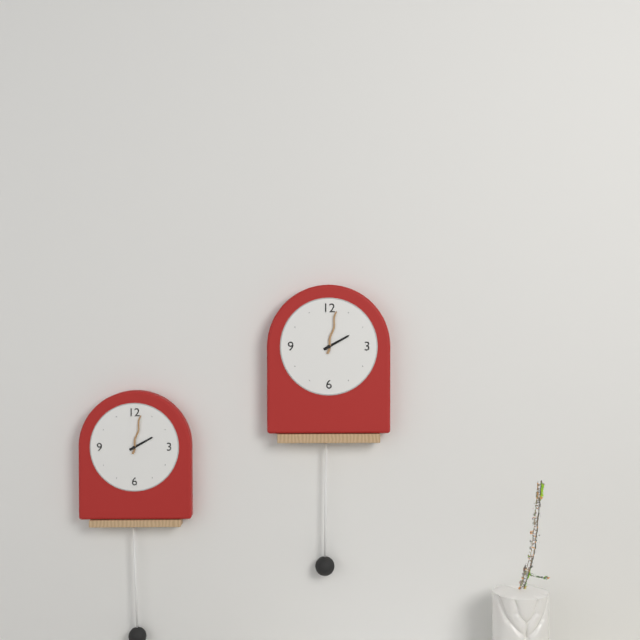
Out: 2,02
